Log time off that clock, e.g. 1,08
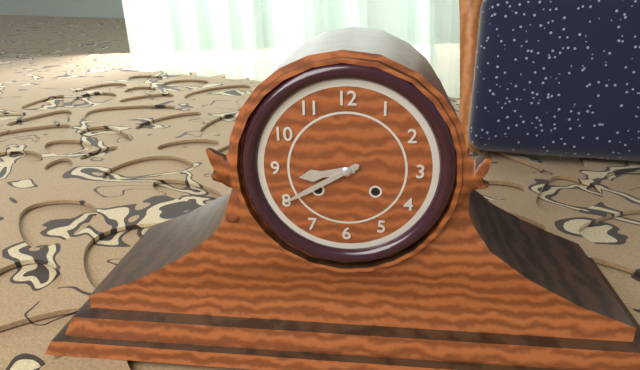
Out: 8,40
